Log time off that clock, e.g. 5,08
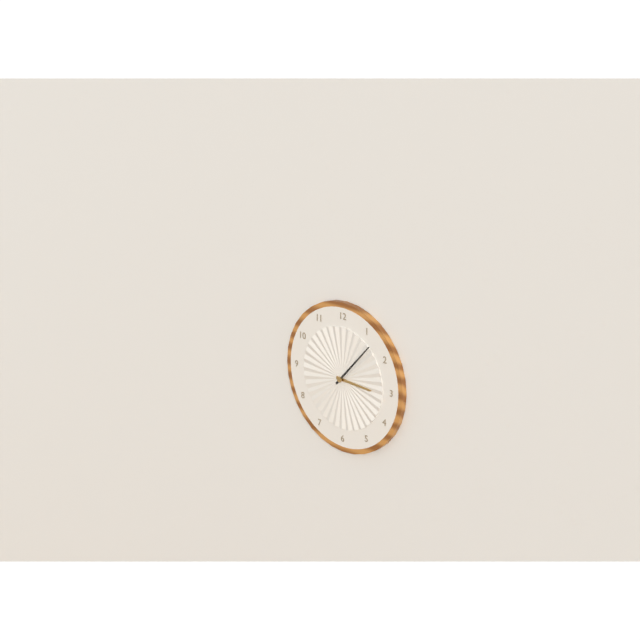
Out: 3,07
